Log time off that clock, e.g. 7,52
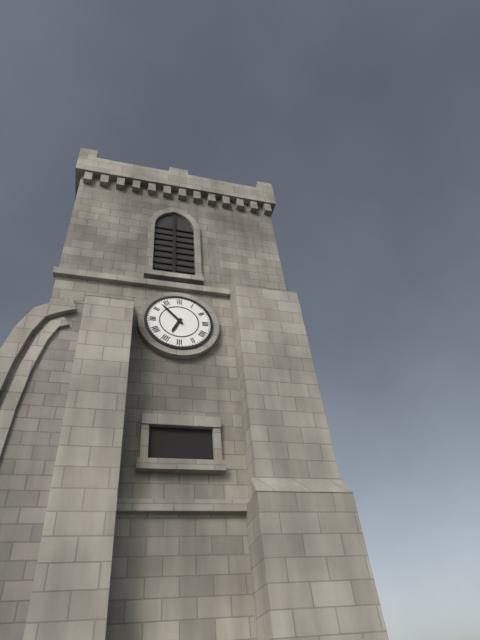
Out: 6,53
